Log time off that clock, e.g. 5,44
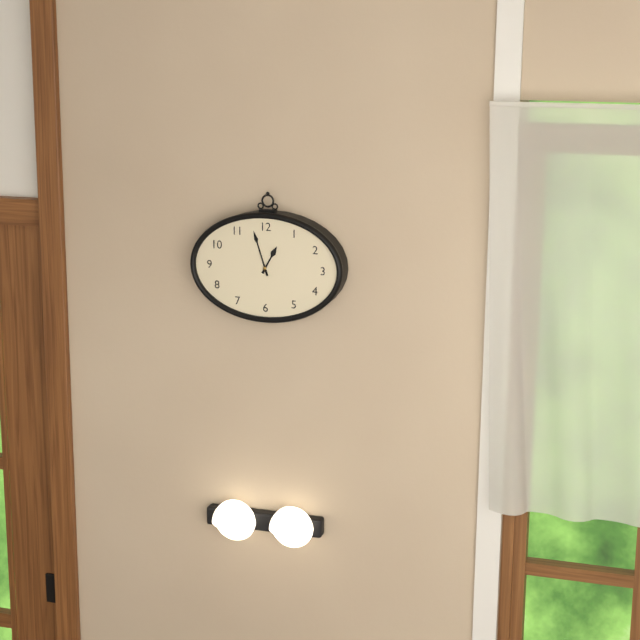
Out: 12,57
